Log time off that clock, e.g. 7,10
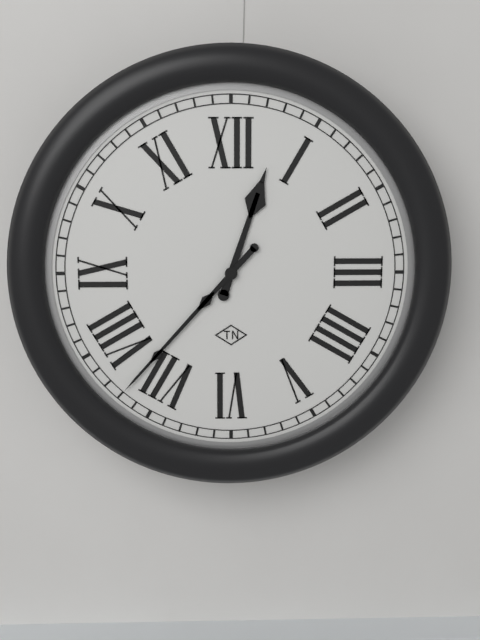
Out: 12,37
